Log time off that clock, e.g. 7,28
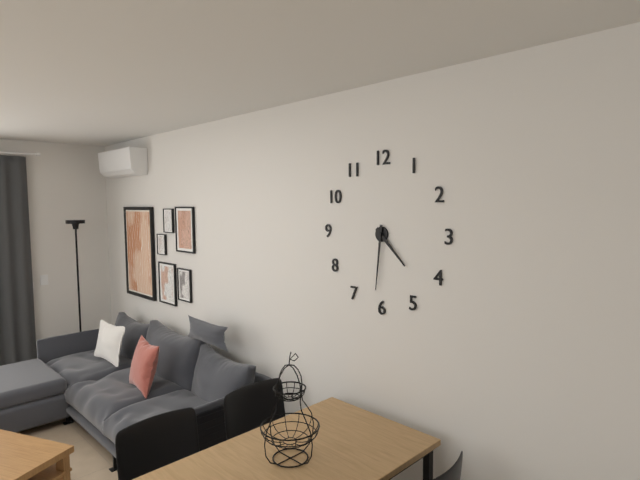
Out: 4,31
